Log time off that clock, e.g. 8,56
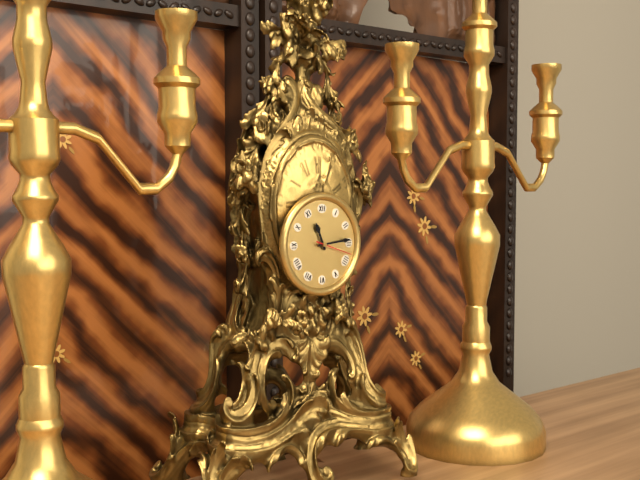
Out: 11,14
